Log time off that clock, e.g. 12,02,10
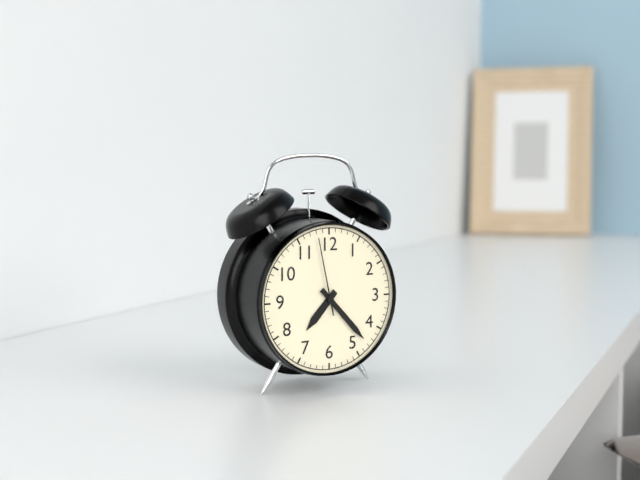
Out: 7,23,58
